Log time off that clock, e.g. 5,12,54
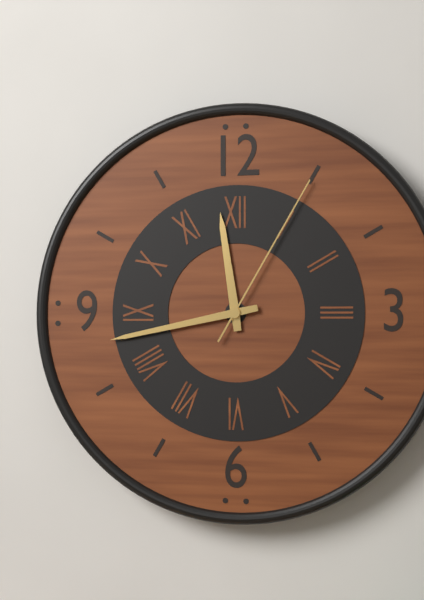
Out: 11,43,05
